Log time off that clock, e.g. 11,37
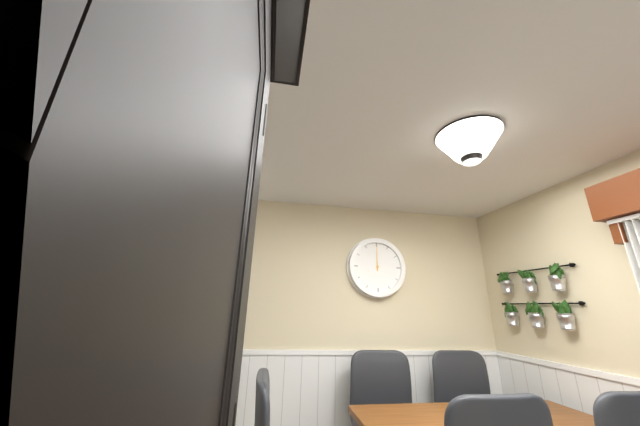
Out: 12,00
